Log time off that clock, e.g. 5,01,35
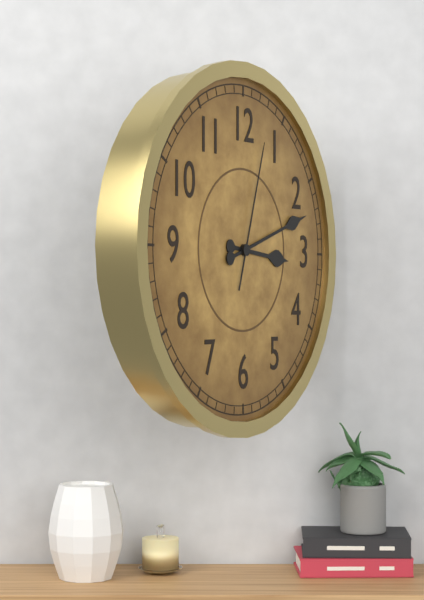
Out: 3,12,03
